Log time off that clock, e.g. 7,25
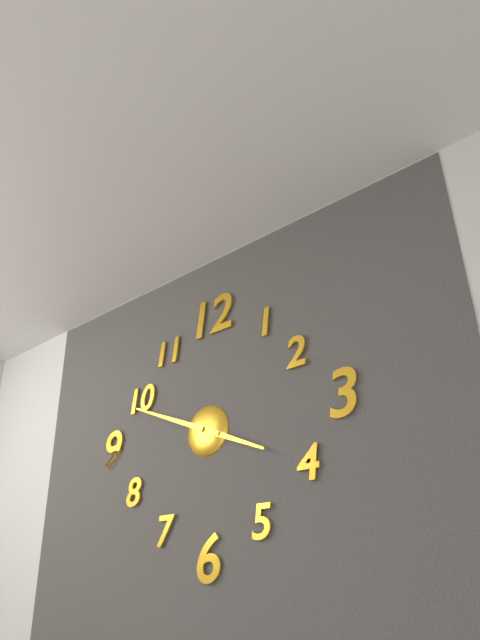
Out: 3,49
